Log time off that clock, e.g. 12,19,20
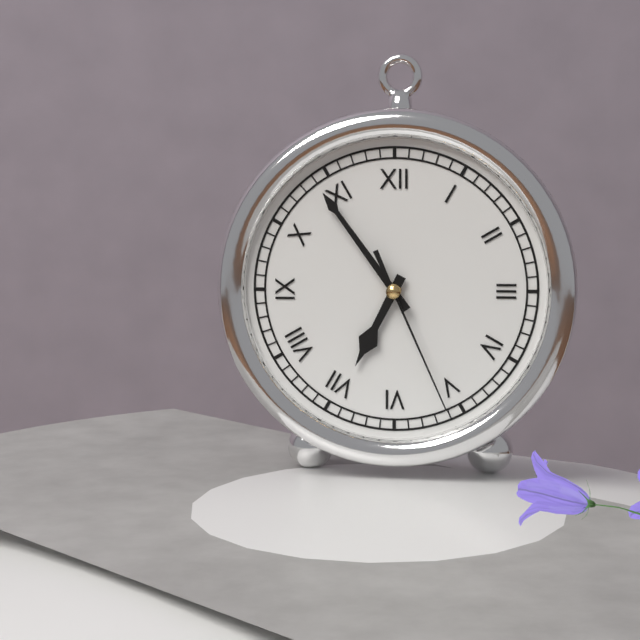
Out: 6,54,26
